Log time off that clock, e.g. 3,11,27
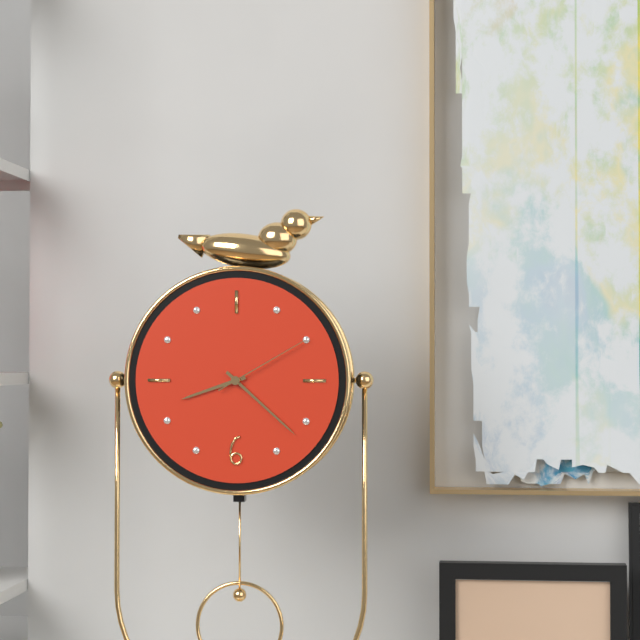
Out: 8,22,10
